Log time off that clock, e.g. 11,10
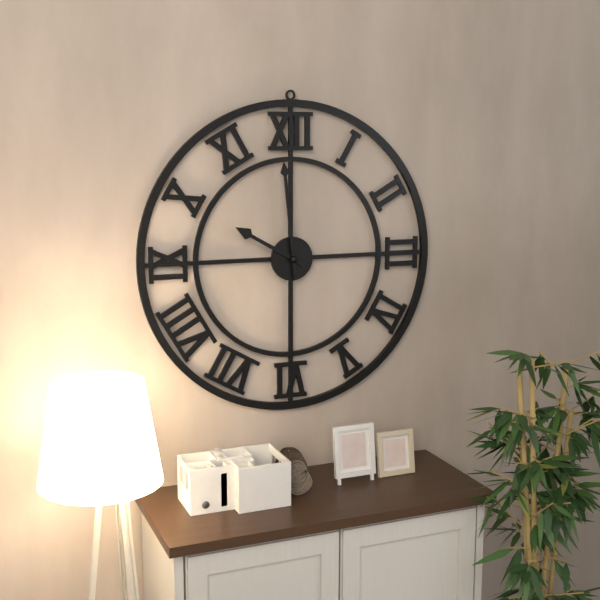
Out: 9,59
